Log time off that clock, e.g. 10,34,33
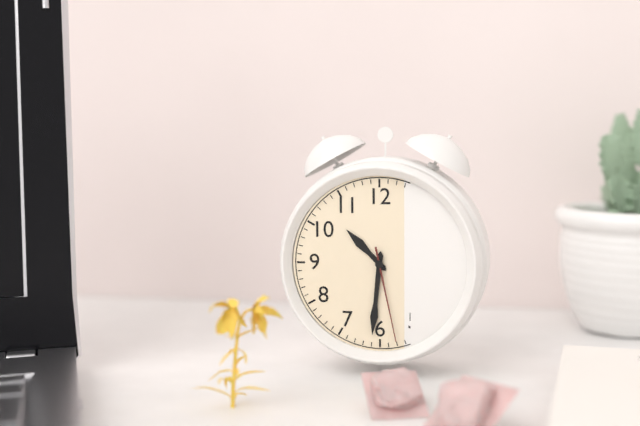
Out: 10,31,28
